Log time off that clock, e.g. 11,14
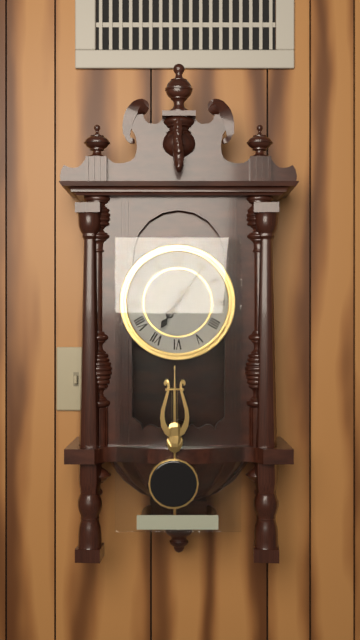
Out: 7,06
